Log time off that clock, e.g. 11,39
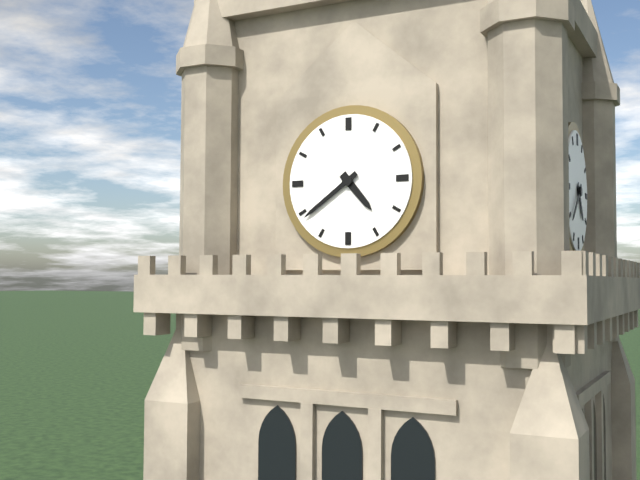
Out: 4,39
